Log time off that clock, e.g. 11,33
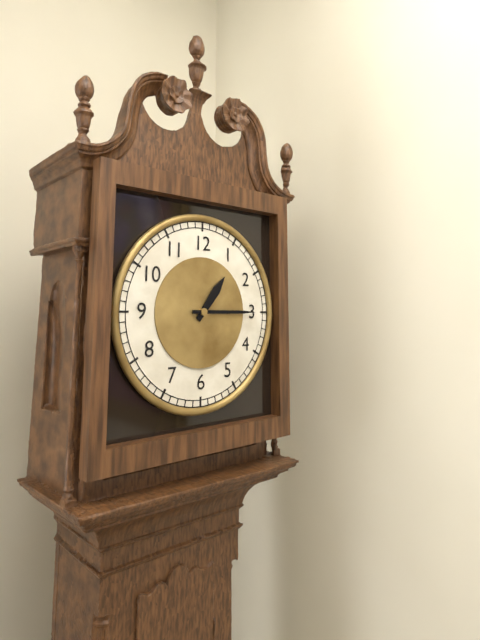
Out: 1,15
